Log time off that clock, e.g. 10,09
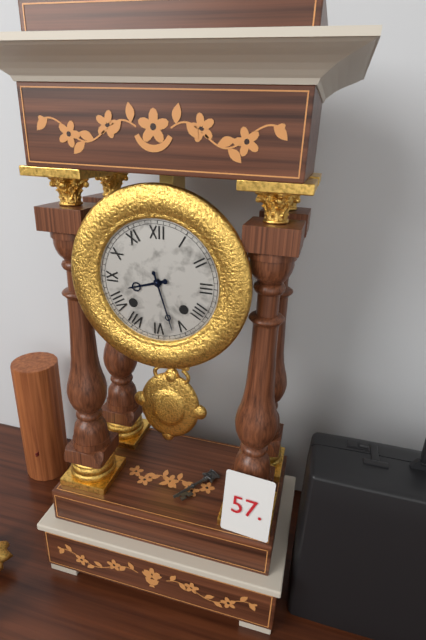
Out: 8,27
